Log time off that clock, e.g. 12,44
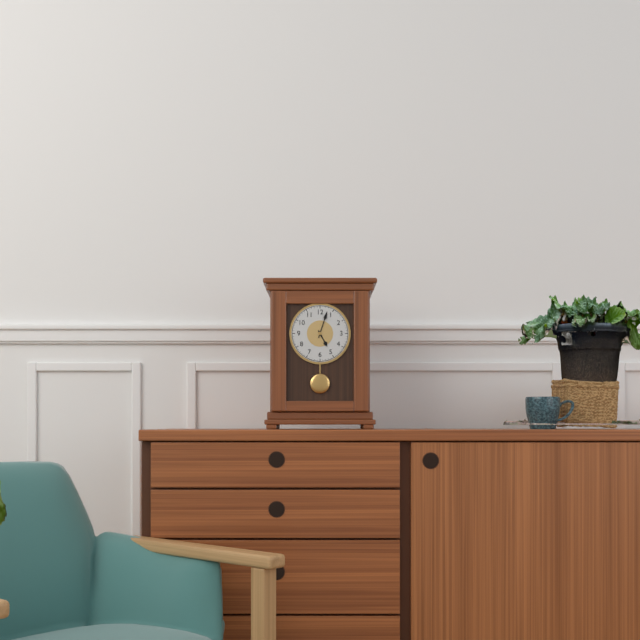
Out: 5,03
